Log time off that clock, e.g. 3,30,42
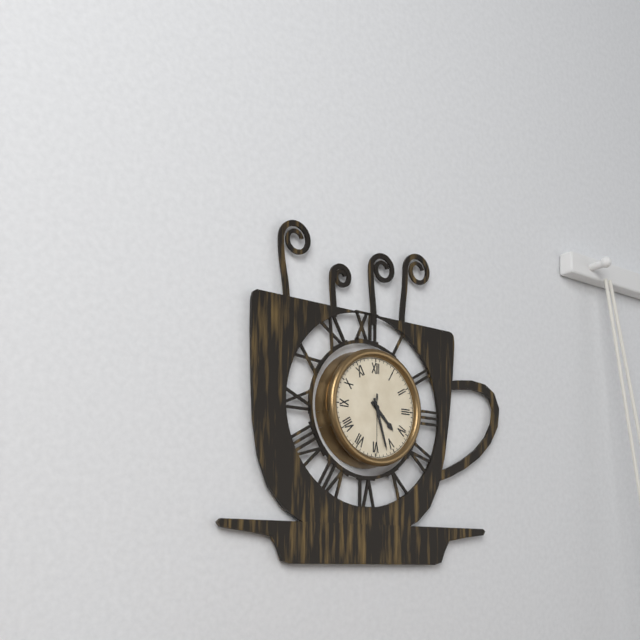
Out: 4,27,30
